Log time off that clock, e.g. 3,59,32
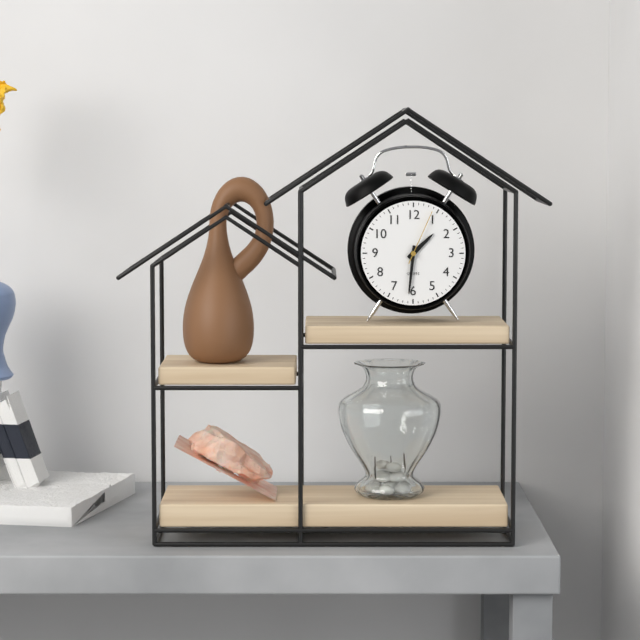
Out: 1,31,04
